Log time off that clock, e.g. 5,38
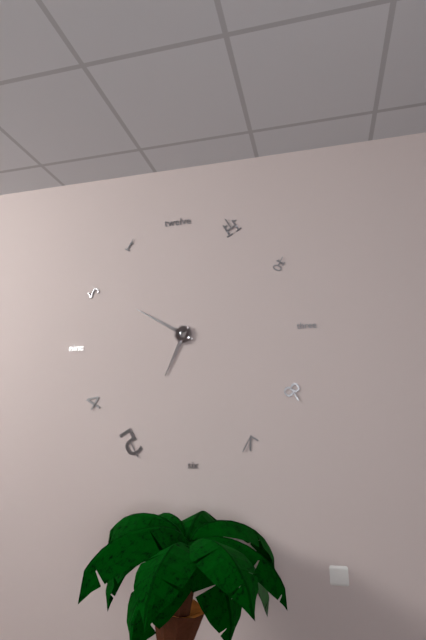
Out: 6,50
